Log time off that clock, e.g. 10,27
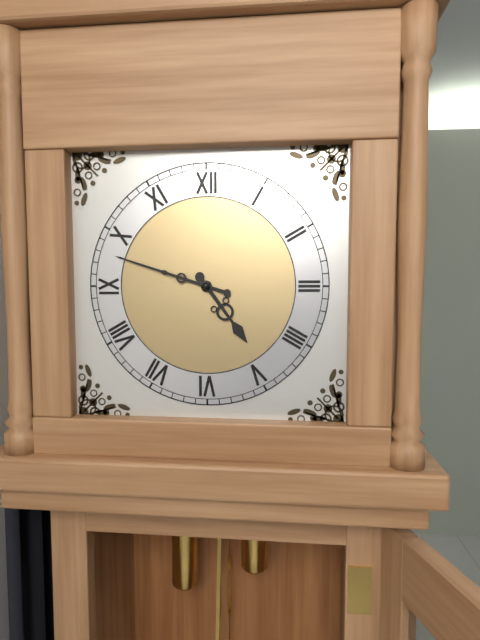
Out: 4,48
